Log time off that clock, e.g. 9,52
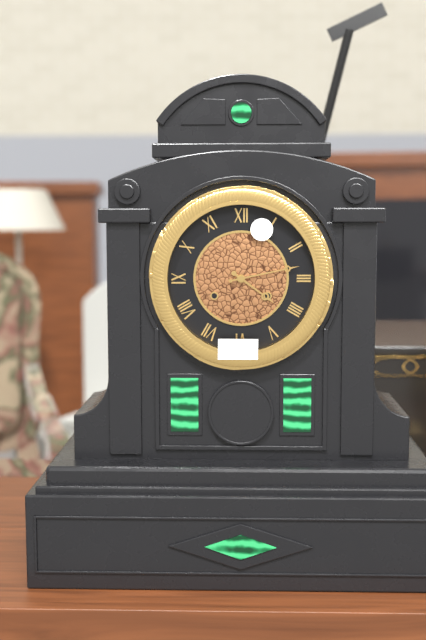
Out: 4,13
